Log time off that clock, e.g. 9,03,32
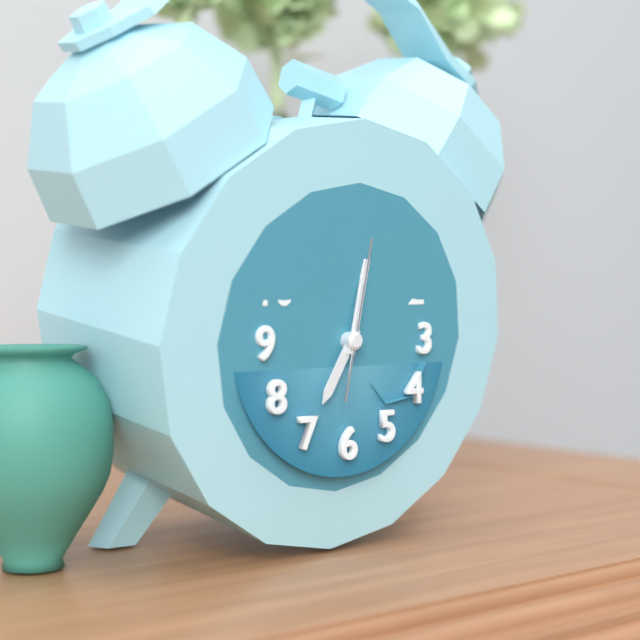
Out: 7,02,02
